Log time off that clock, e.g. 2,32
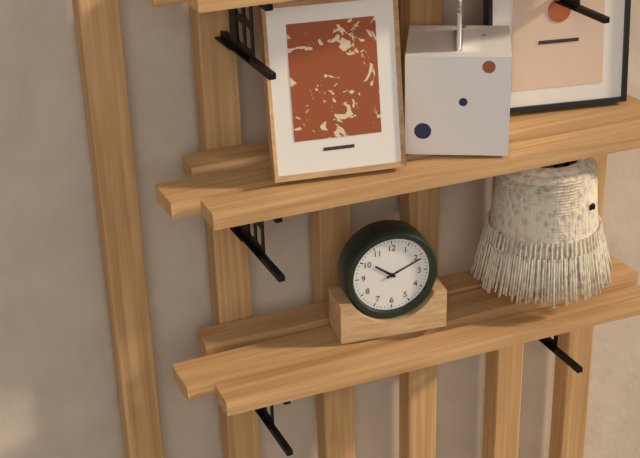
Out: 10,11
